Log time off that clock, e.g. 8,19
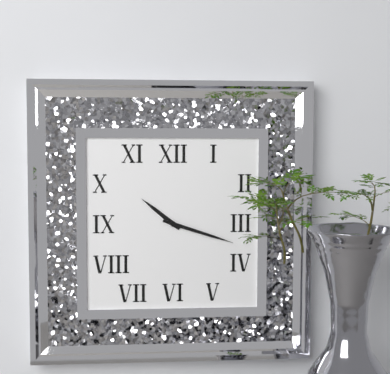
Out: 10,18
